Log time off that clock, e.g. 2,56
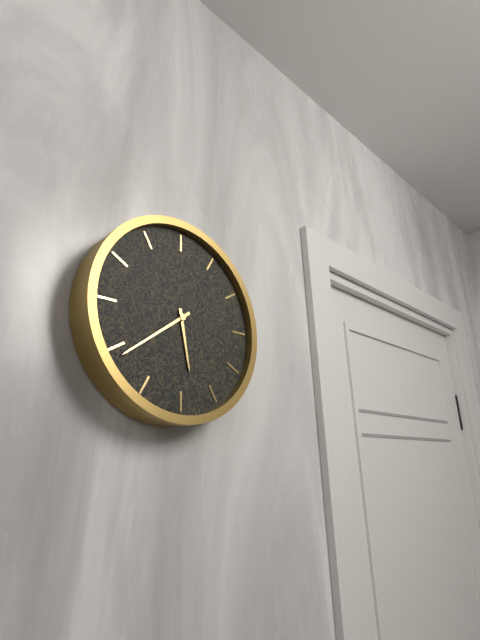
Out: 5,39
